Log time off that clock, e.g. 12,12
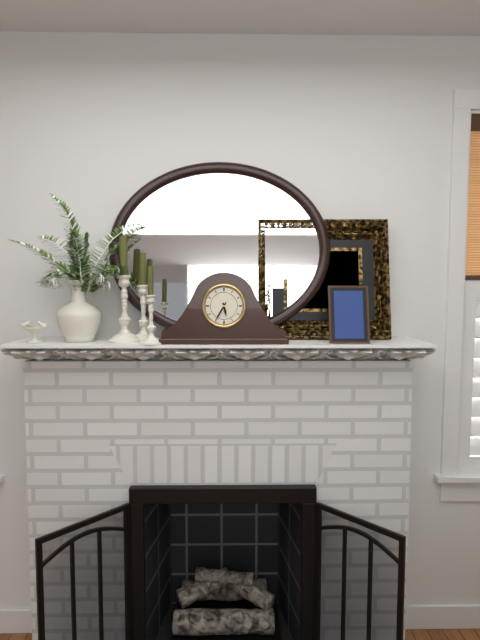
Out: 5,35
